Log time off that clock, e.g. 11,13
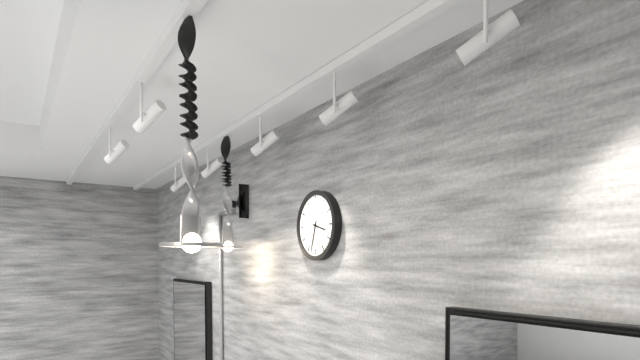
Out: 3,33
